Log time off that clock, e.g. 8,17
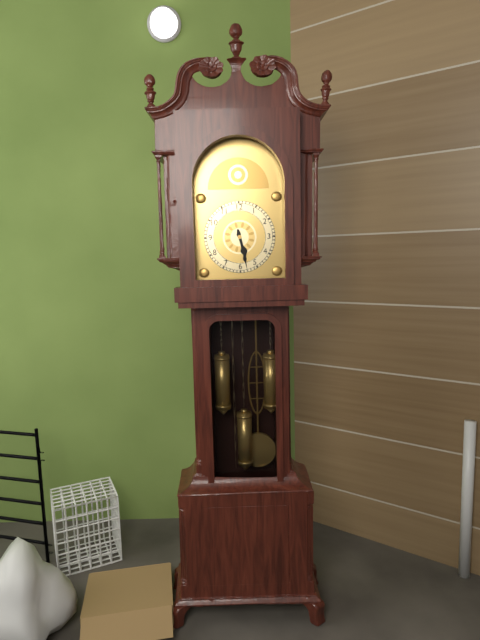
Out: 5,28
